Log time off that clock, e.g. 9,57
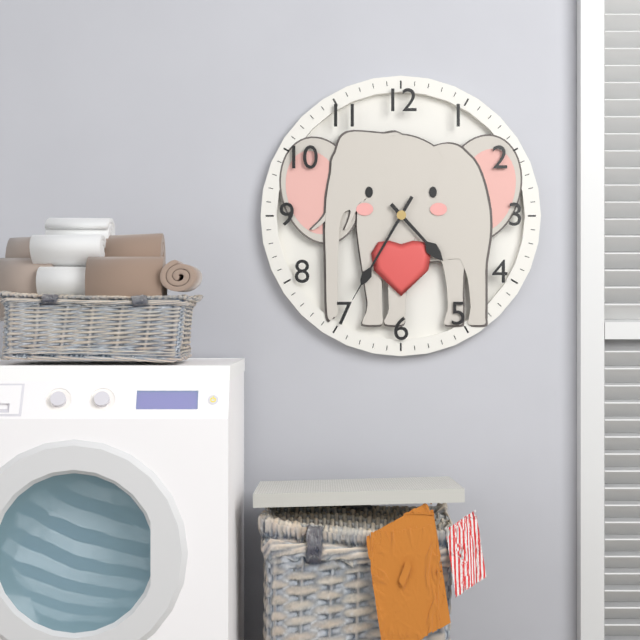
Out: 4,35
